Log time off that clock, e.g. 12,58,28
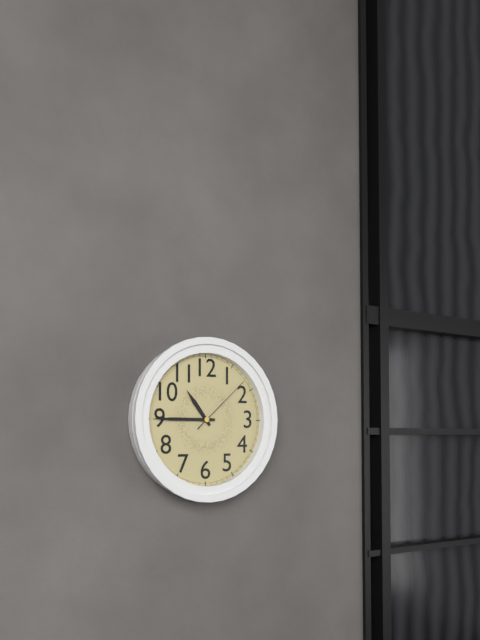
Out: 10,45,08
